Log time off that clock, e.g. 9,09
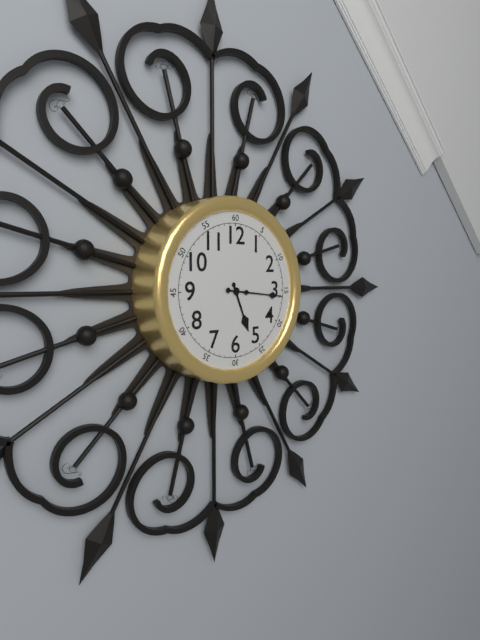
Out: 5,16
